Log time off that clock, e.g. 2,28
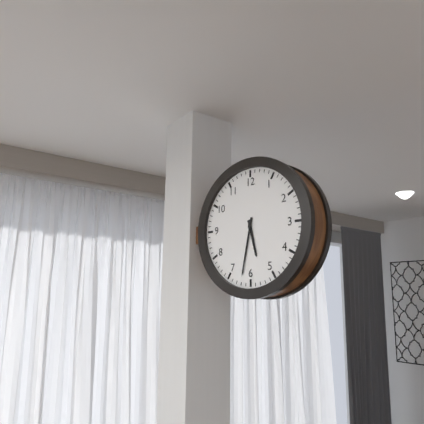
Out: 5,32
